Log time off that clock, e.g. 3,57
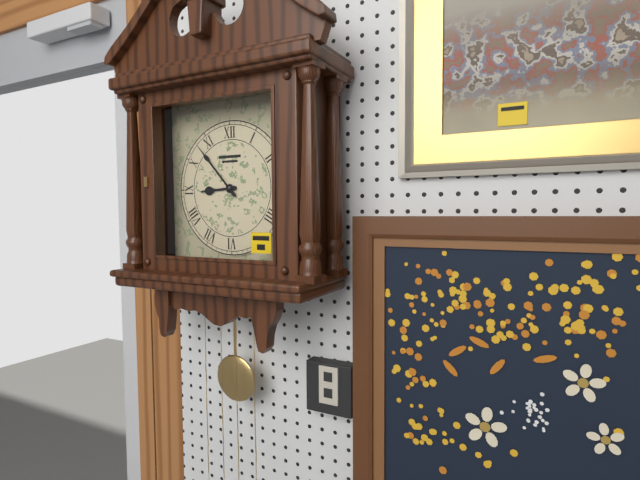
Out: 8,53
